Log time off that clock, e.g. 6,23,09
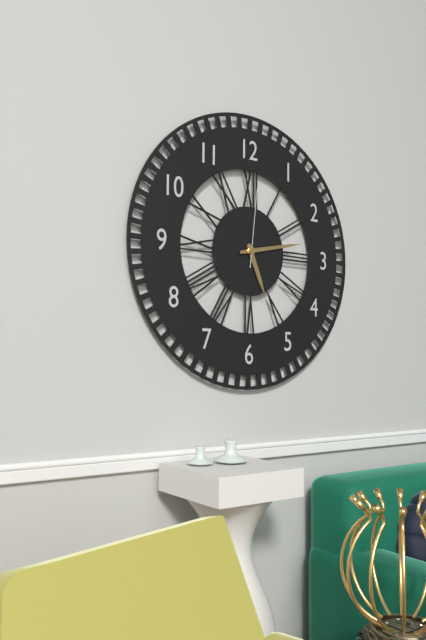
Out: 5,13,01
